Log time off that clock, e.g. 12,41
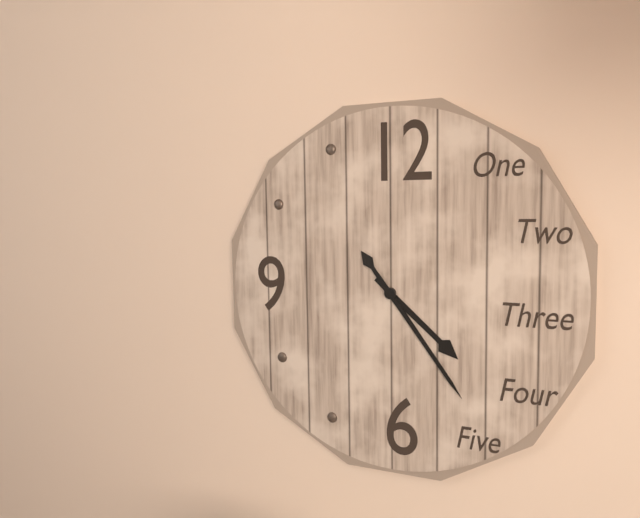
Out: 4,24
